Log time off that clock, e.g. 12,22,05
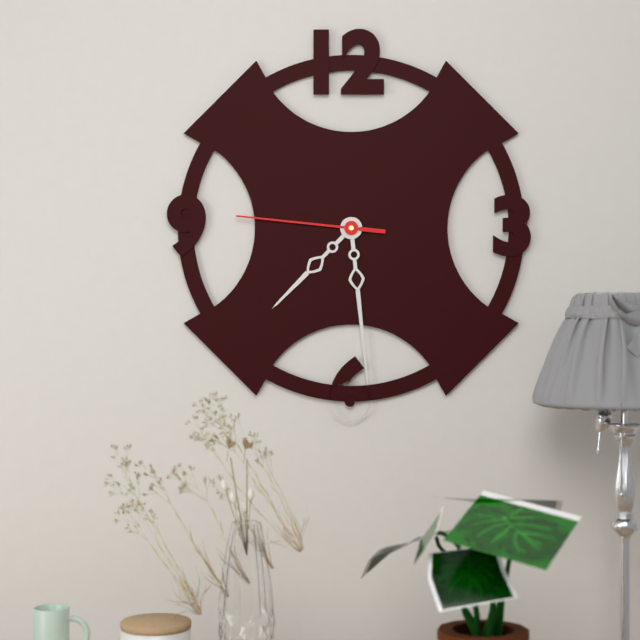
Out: 7,29,46
